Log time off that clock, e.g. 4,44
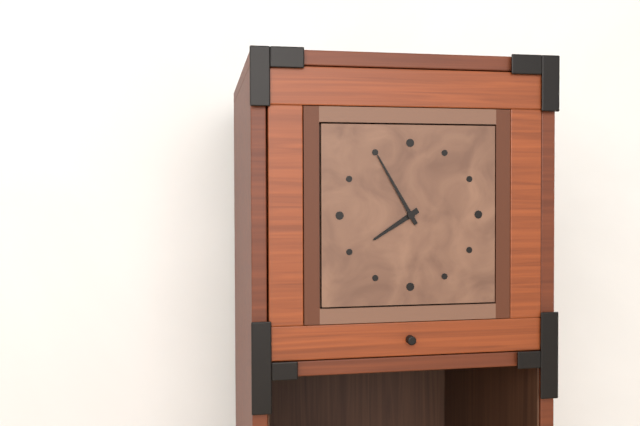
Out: 7,55
